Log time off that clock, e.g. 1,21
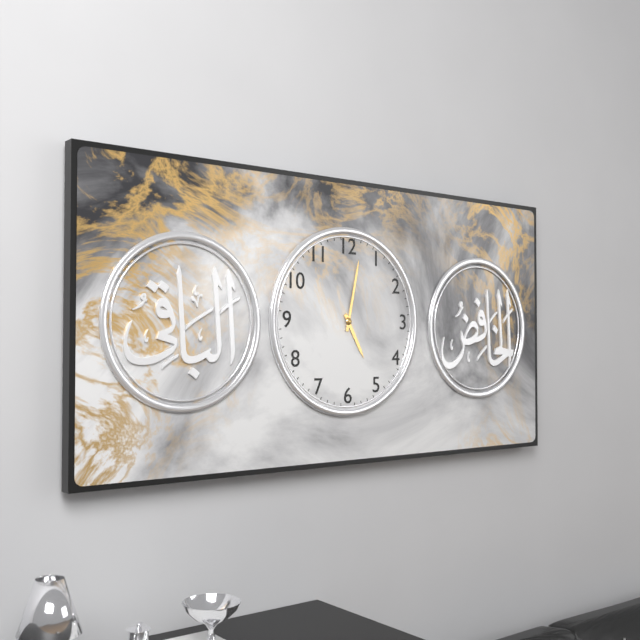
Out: 5,02
